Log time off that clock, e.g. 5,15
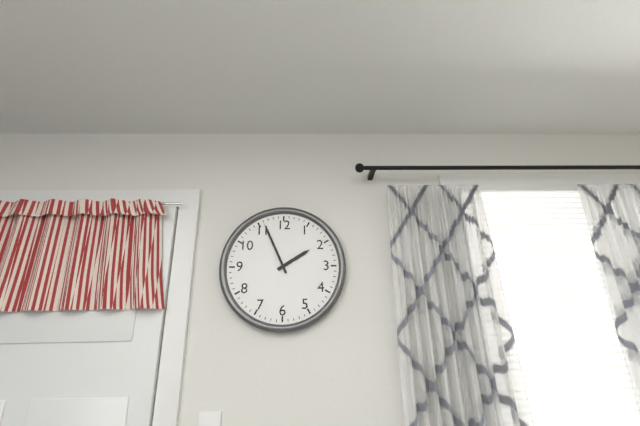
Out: 1,56
